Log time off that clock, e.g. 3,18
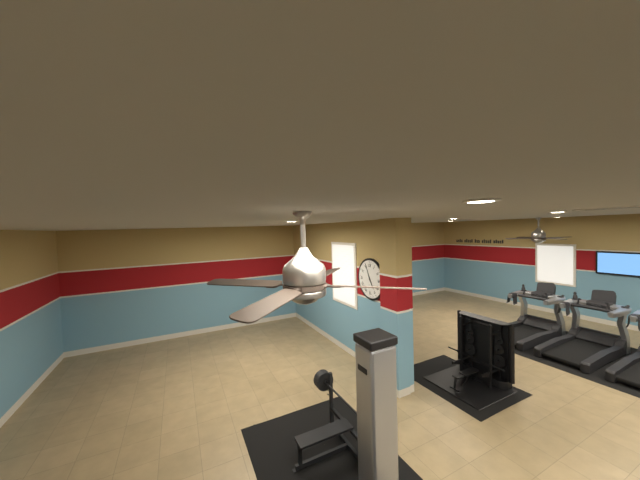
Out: 4,56
